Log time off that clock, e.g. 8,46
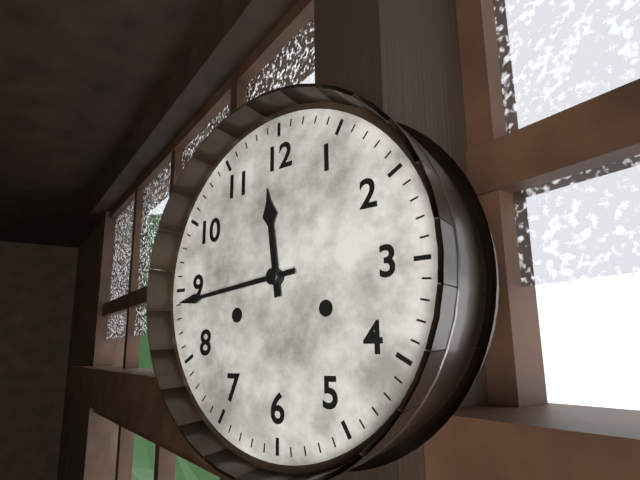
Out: 11,44
